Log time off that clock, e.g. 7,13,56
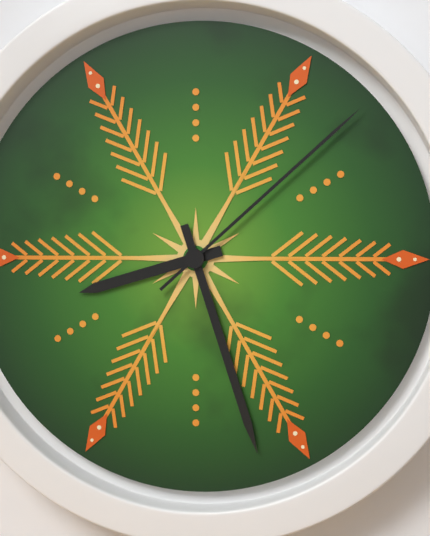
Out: 8,27,08
